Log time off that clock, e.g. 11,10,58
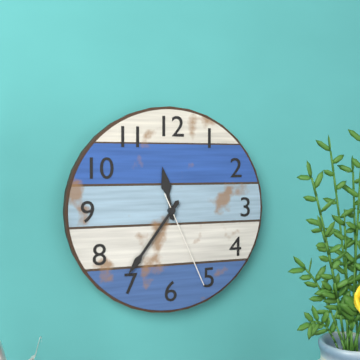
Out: 11,36,26
